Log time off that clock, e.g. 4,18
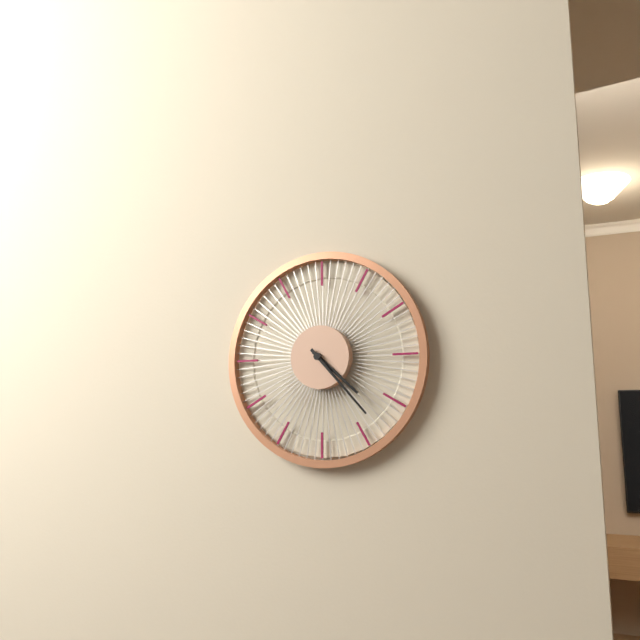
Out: 4,23
